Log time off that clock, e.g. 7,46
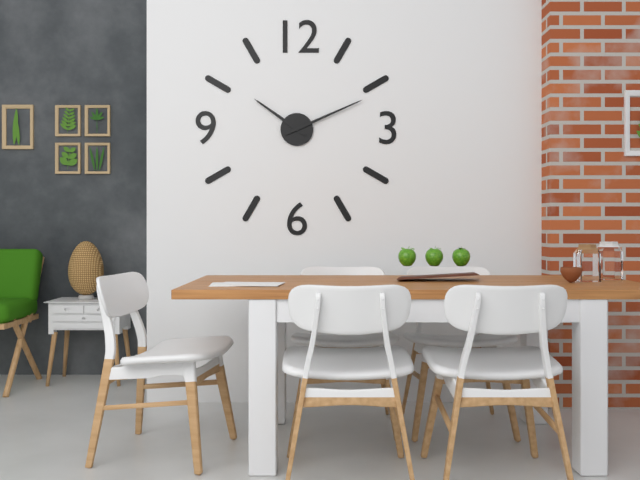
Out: 10,11
